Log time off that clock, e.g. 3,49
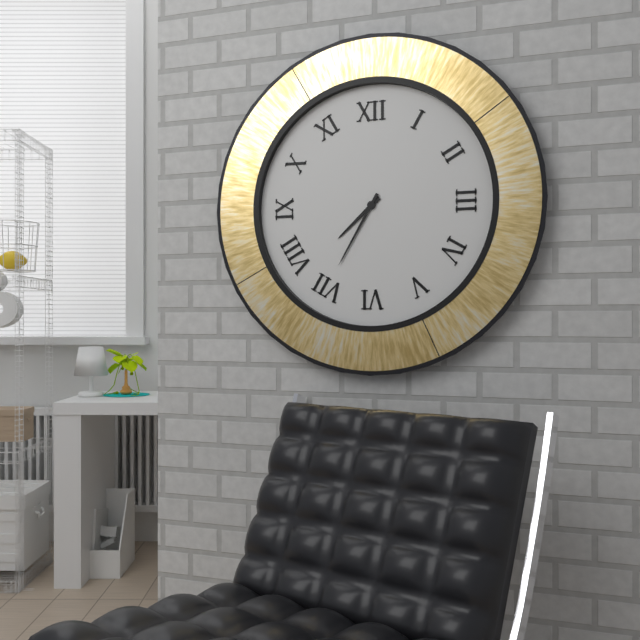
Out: 7,35
